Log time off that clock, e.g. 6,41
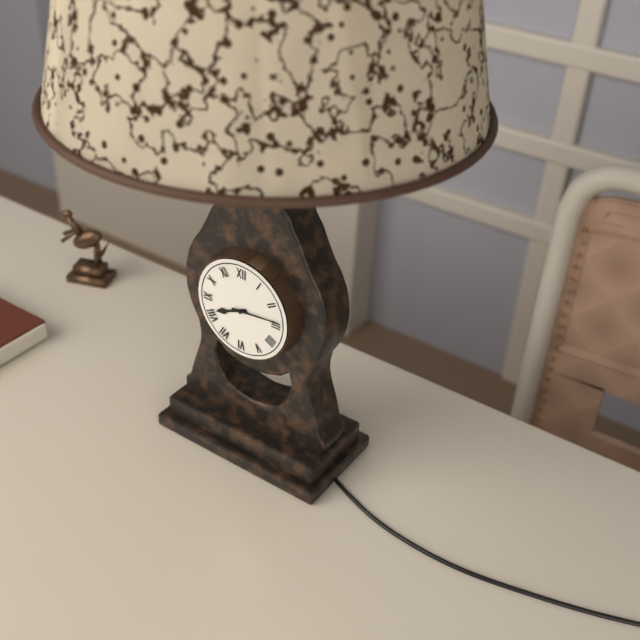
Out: 8,14
